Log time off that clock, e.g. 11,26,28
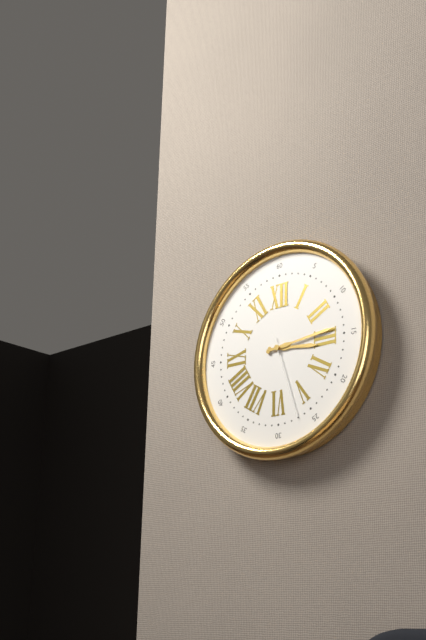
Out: 3,14,27
